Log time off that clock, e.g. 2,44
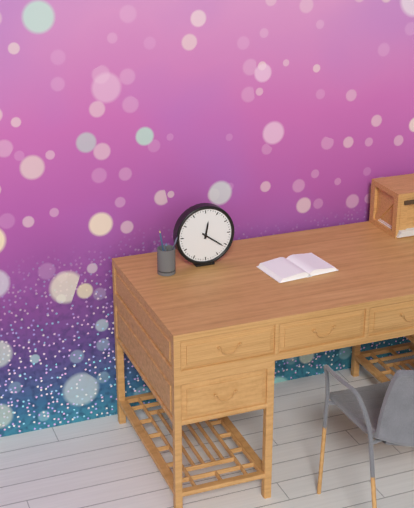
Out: 12,21
